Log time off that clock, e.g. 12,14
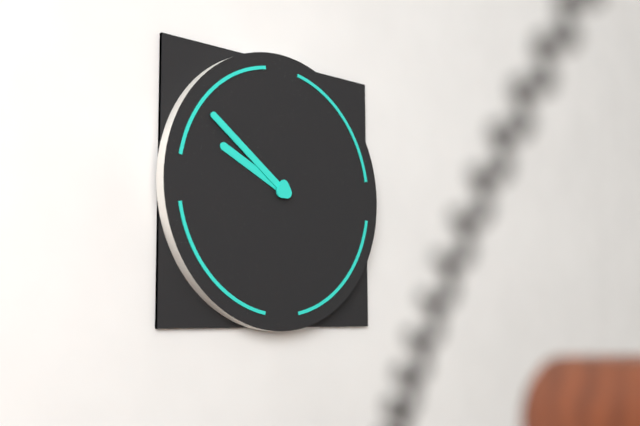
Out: 9,51
